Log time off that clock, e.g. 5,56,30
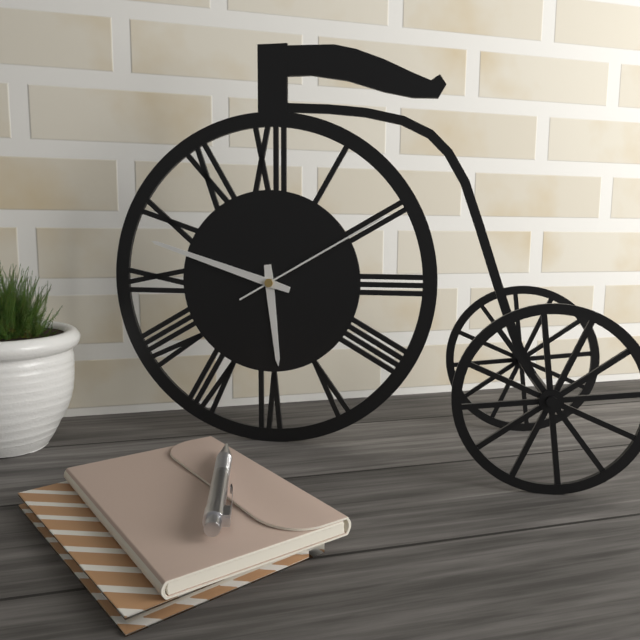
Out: 5,48,10
